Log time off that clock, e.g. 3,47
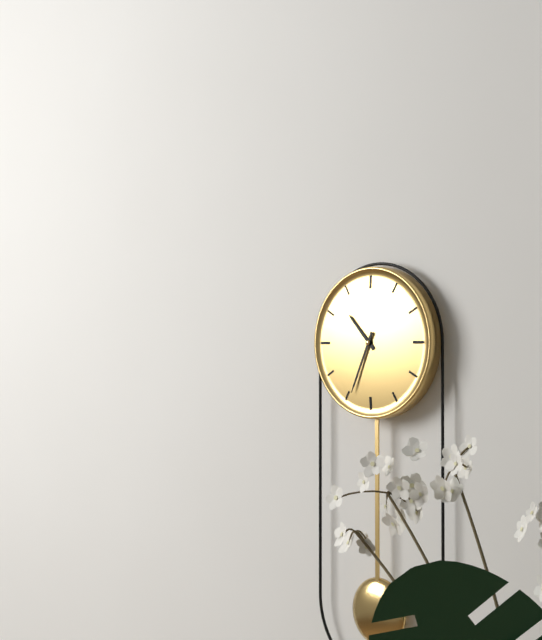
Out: 10,34
